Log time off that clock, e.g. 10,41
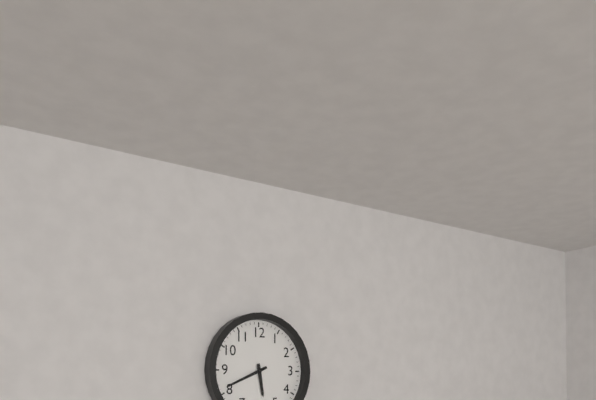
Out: 5,41
